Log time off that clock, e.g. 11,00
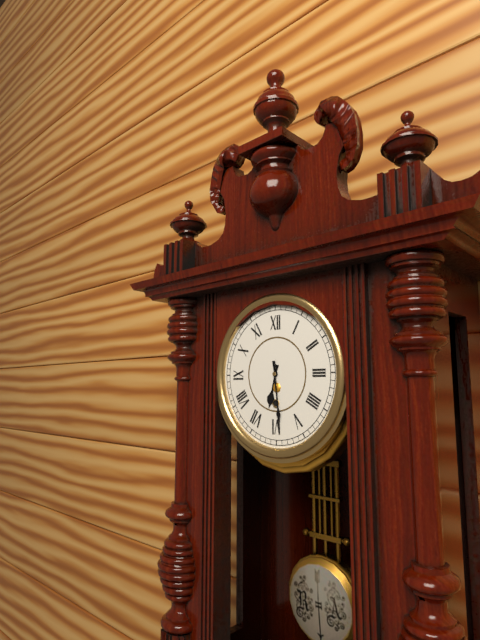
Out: 6,29
